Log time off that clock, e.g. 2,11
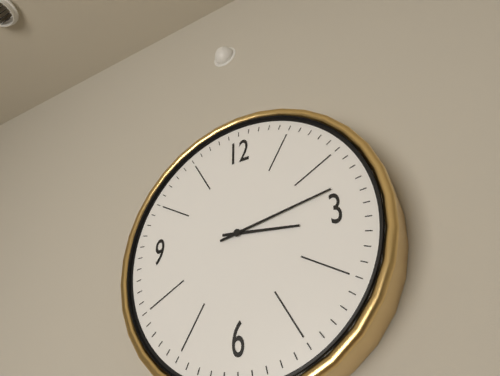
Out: 3,13
